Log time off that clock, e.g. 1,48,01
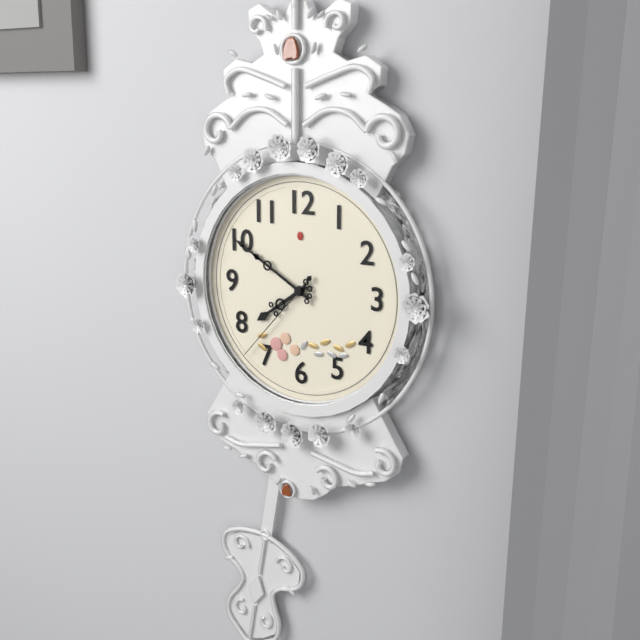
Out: 7,50,37
